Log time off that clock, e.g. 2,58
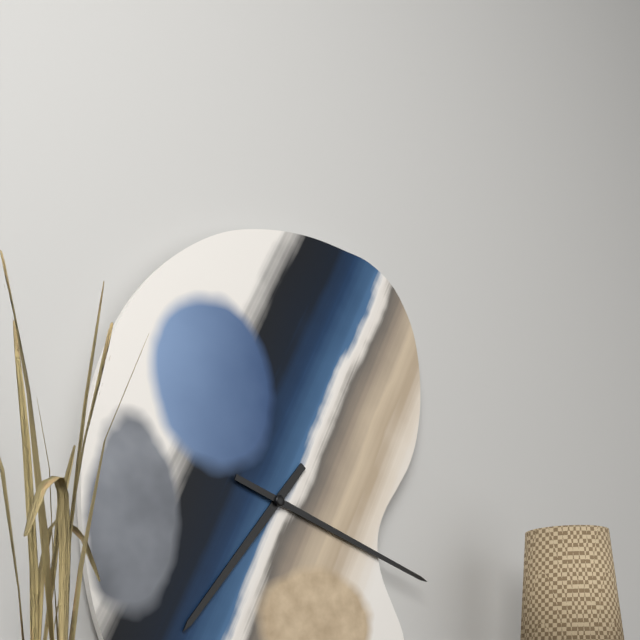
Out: 7,18
